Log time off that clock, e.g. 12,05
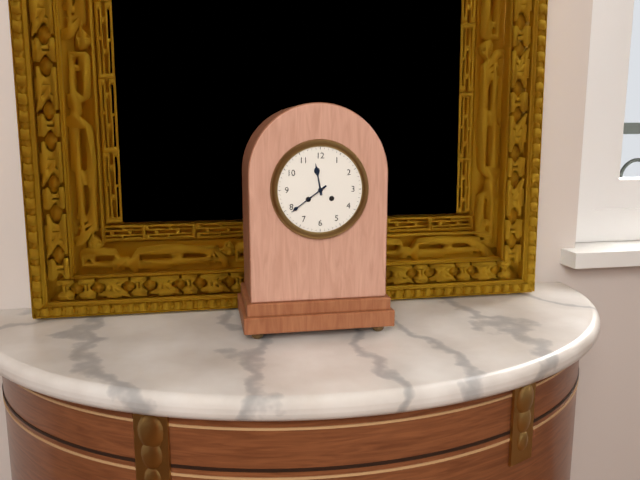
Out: 11,39
